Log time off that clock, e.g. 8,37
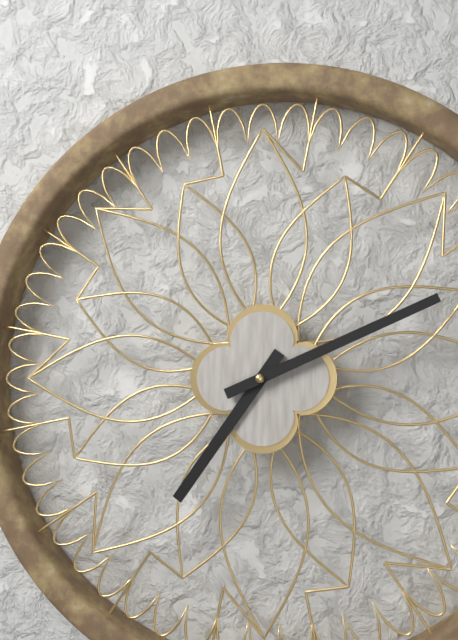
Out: 7,11
